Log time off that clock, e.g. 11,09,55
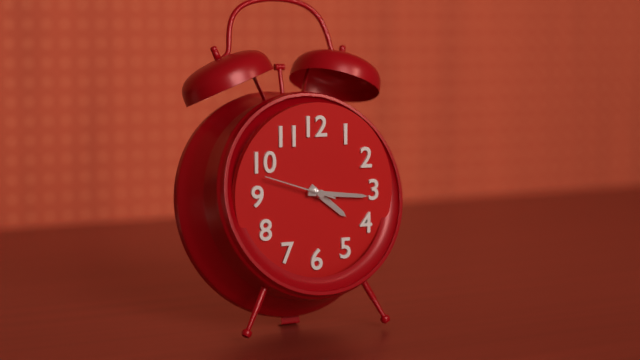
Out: 4,16,48
